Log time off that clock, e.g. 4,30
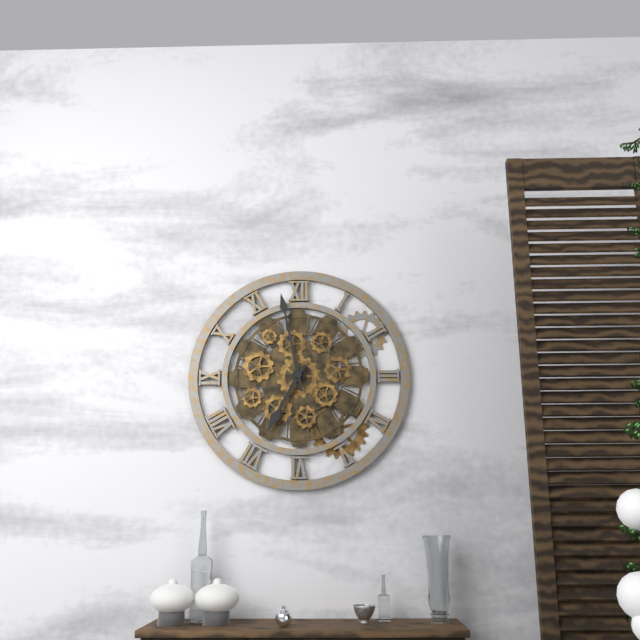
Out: 6,58
